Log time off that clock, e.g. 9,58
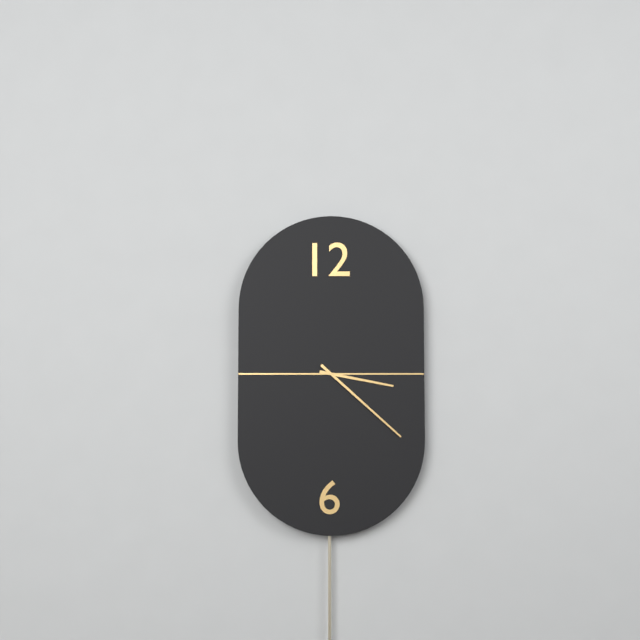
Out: 3,22
